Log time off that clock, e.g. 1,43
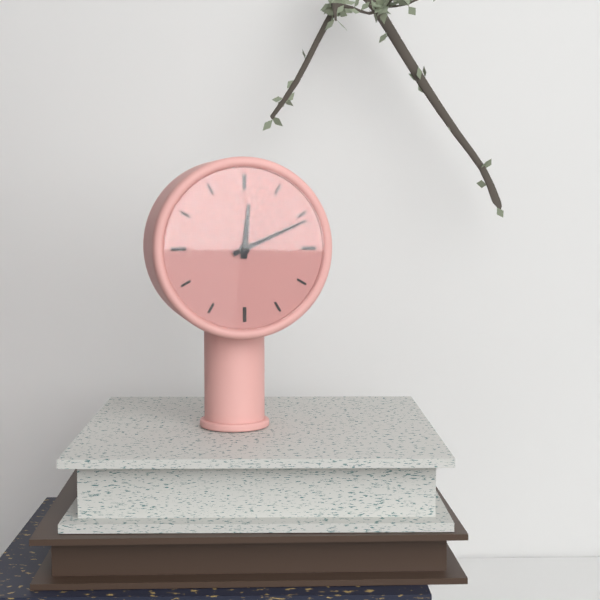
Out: 12,11
